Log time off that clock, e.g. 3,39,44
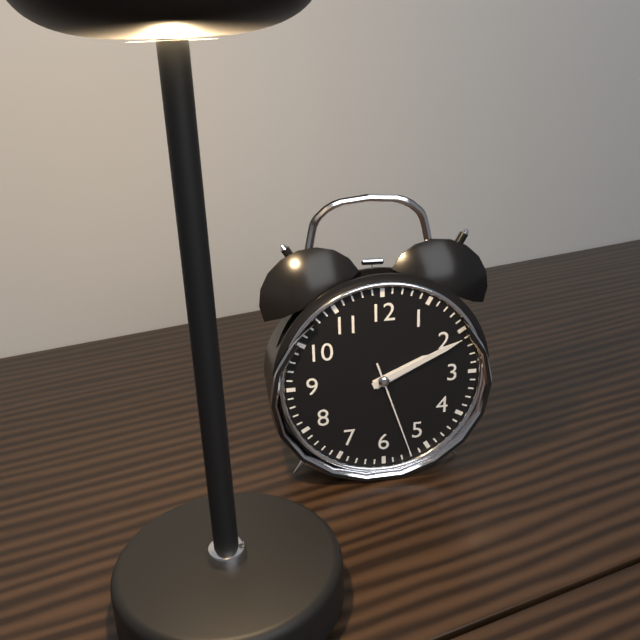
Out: 2,11,27
